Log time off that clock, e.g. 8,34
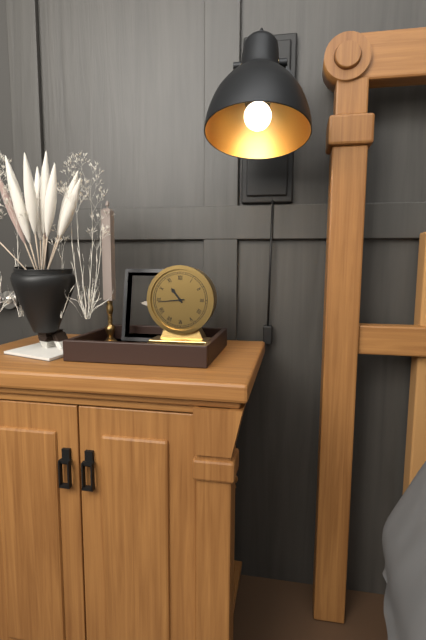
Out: 10,44
